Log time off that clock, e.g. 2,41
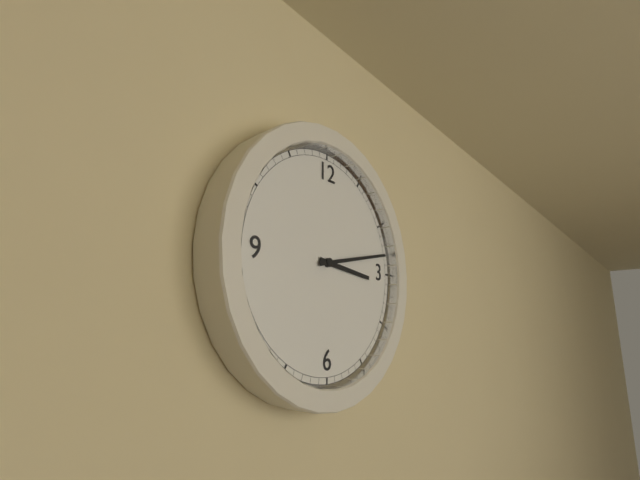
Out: 3,13
